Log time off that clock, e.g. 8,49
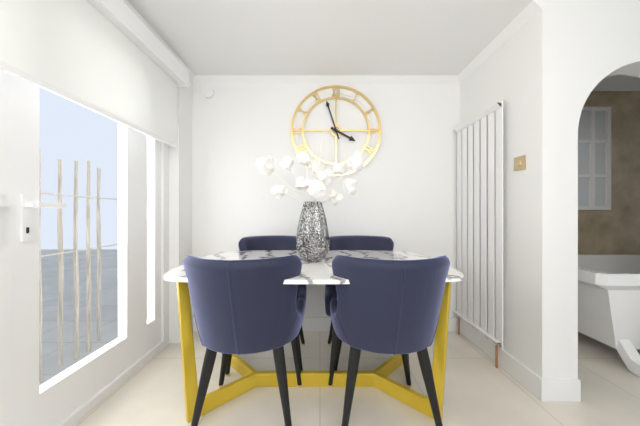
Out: 3,57
